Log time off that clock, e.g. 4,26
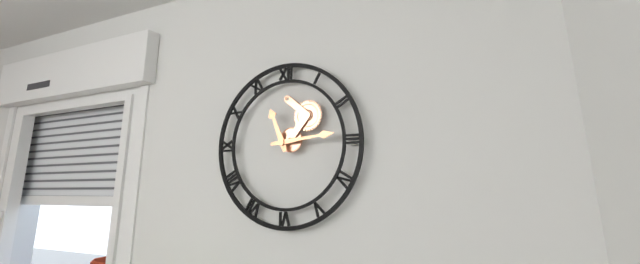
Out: 11,14
